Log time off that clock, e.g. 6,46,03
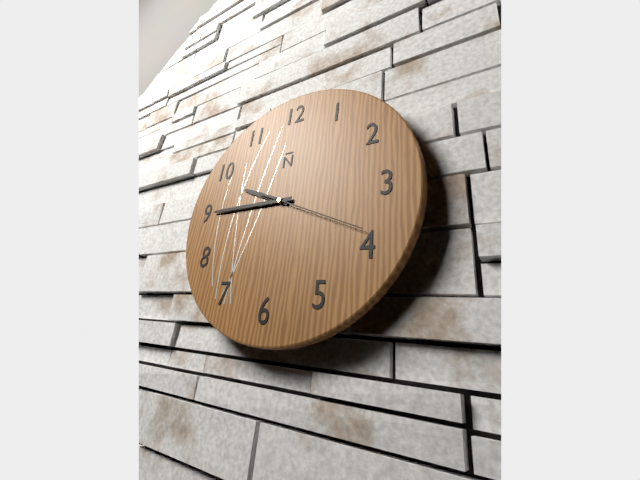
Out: 9,45,19
